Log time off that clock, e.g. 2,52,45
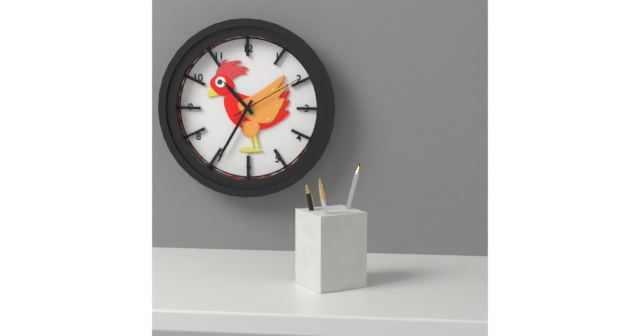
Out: 10,35,10
